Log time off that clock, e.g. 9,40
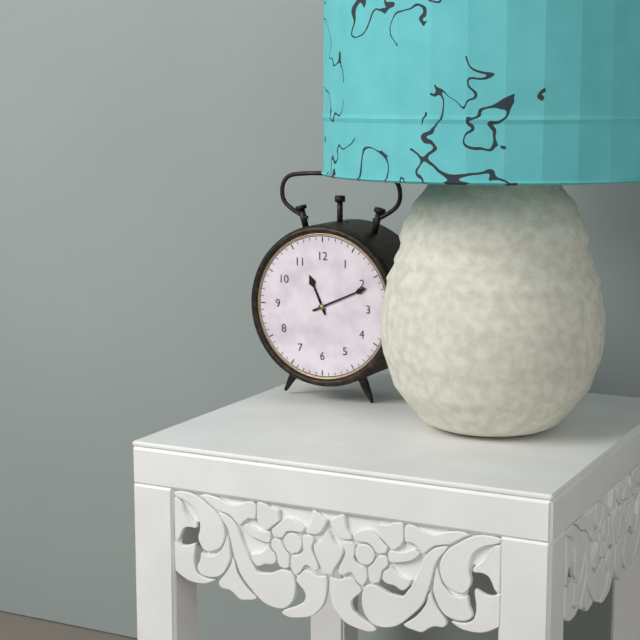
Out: 11,11
